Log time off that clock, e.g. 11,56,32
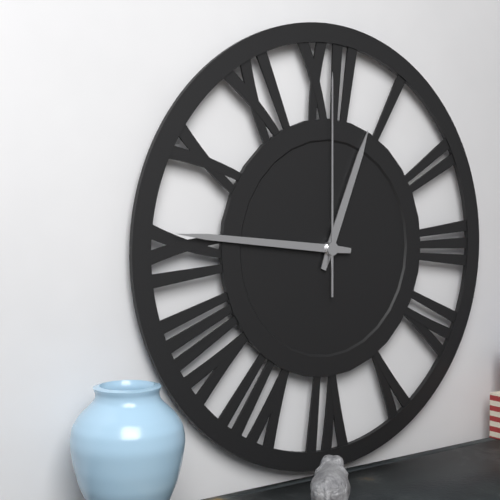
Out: 12,46,00
